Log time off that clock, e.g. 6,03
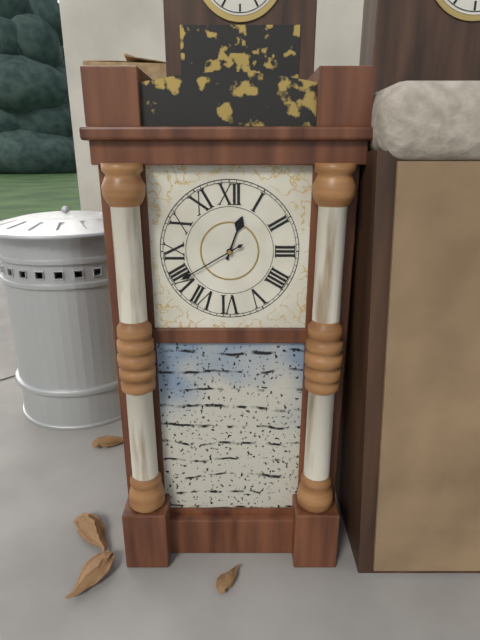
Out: 12,40
